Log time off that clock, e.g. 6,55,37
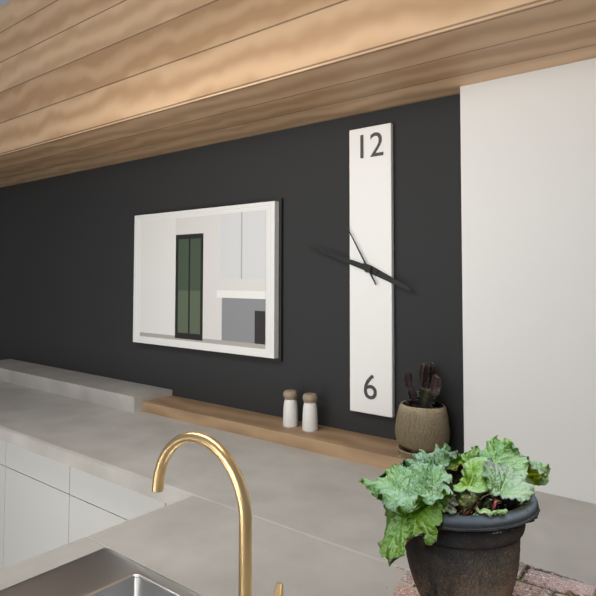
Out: 3,48,55
